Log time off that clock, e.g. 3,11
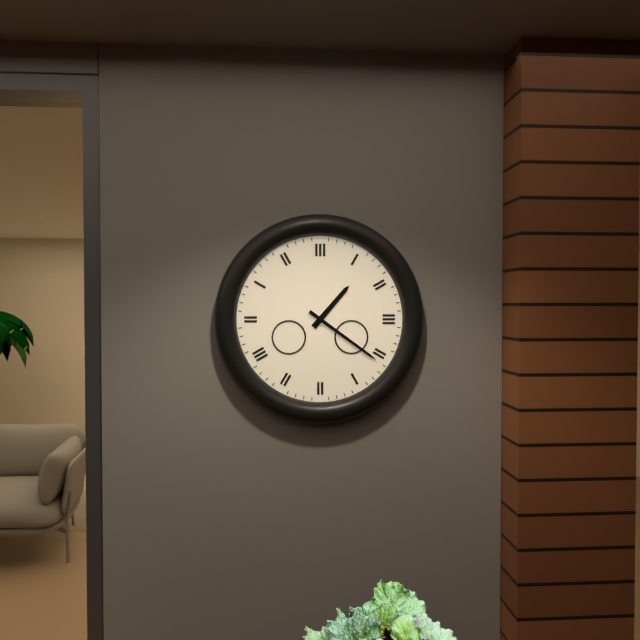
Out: 1,21
